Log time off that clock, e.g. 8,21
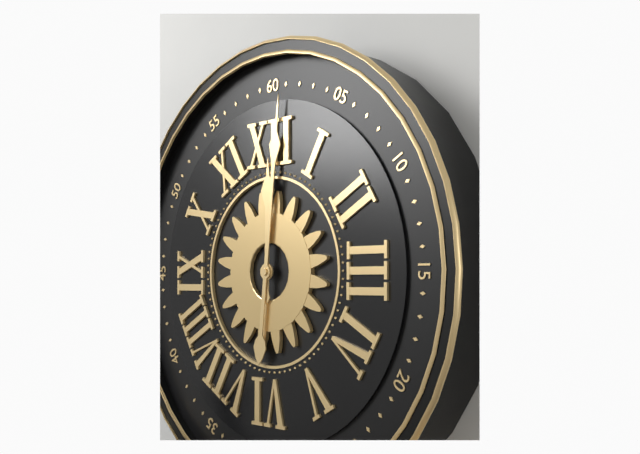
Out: 12,01
